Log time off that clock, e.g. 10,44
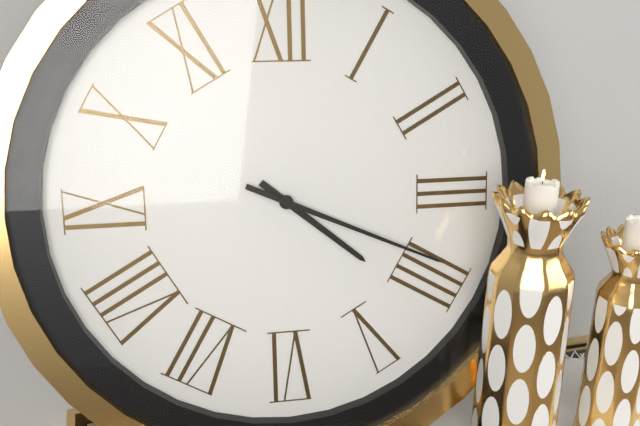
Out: 4,19
